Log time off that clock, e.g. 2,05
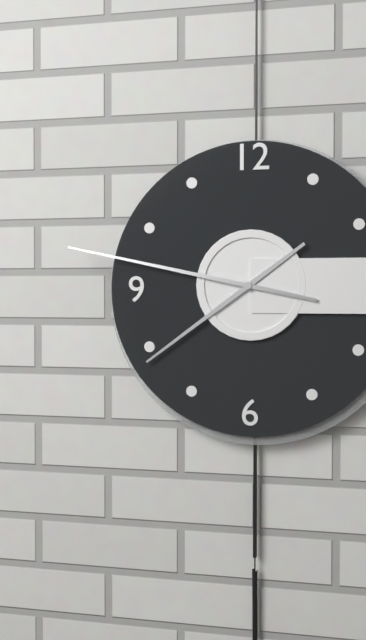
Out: 7,47
